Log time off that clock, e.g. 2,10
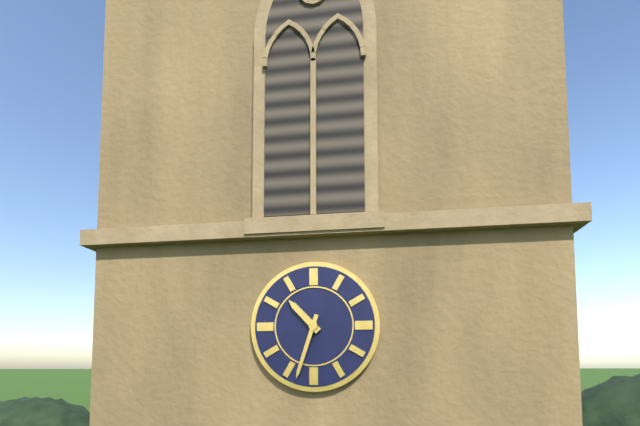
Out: 10,33
